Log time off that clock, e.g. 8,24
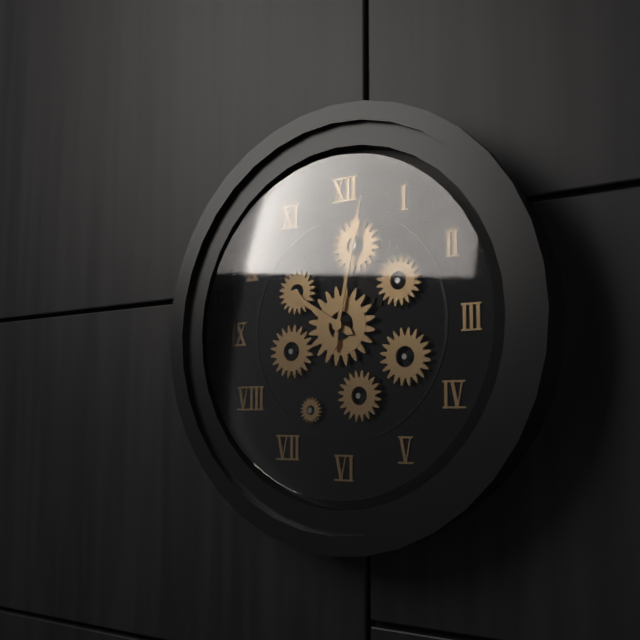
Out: 10,02
